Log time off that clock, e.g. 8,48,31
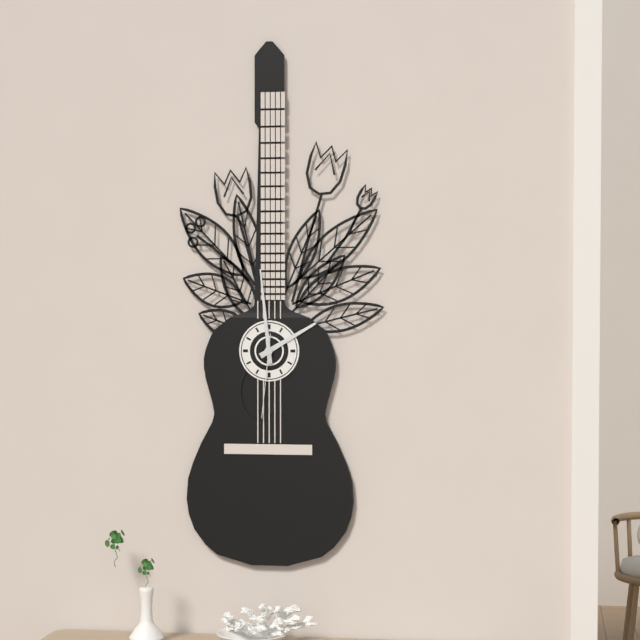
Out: 1,59,31
